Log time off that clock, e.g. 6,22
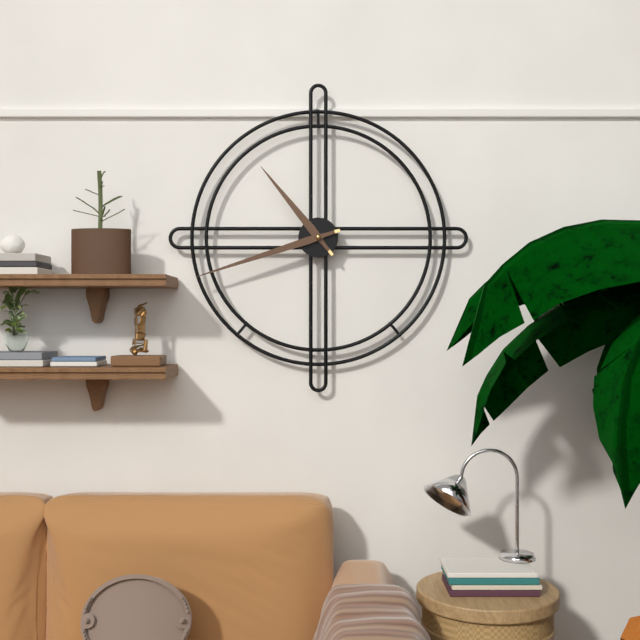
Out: 10,42
